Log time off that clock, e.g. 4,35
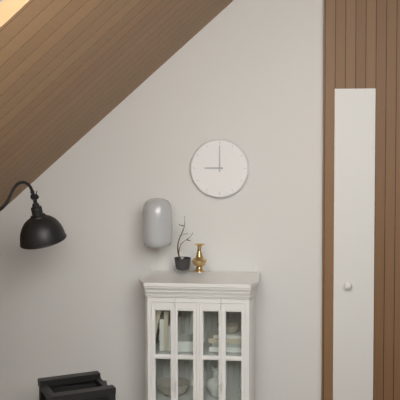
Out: 9,00
